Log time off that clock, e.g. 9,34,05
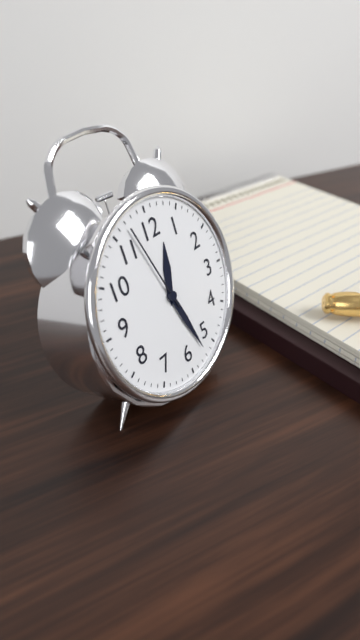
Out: 12,27,57
